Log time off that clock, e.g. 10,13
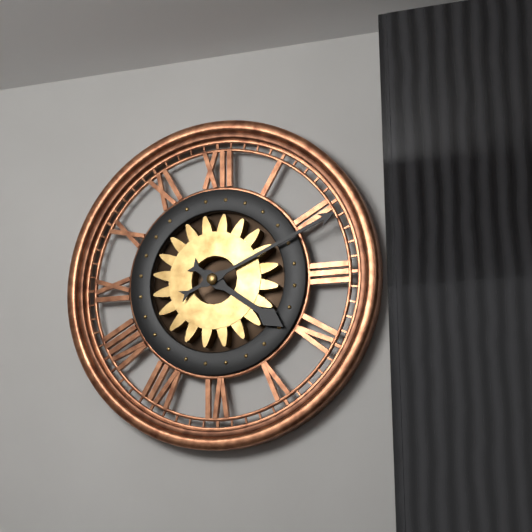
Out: 4,11
